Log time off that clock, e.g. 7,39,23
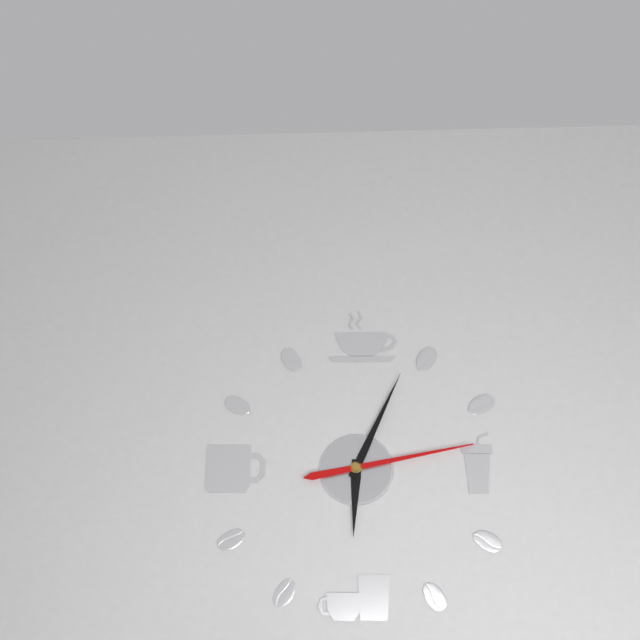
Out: 6,04,13
